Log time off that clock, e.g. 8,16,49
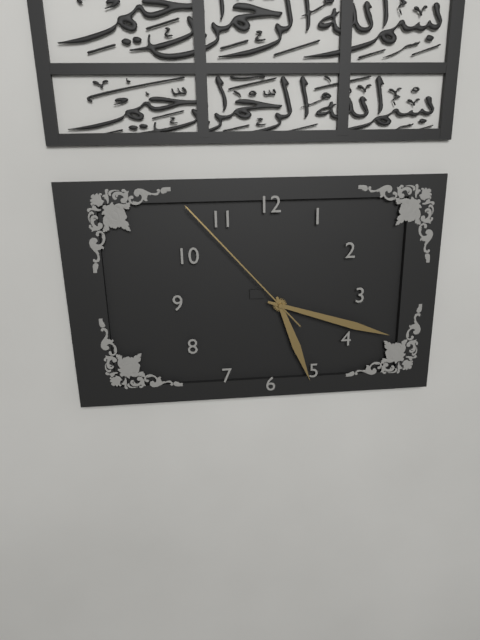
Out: 5,18,53
